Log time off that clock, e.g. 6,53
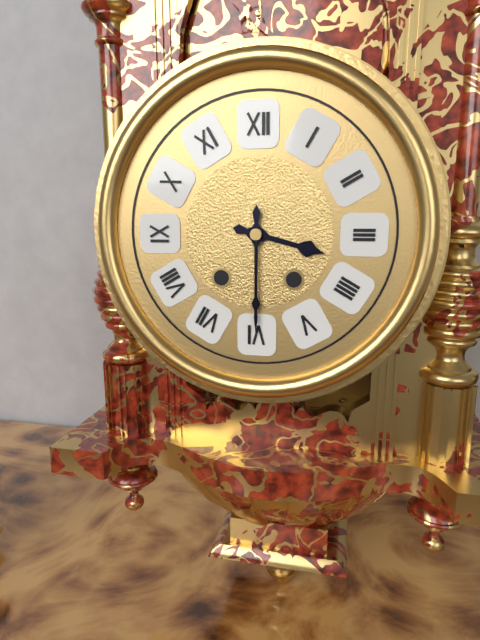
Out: 3,30
